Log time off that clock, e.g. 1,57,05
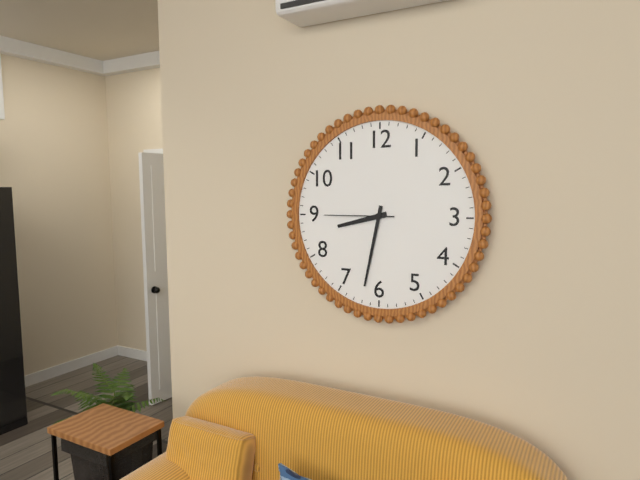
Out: 8,32,45
